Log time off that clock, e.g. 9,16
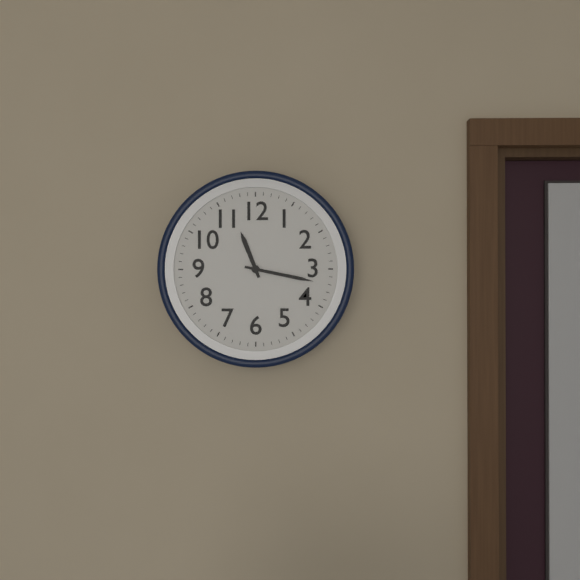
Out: 11,17
